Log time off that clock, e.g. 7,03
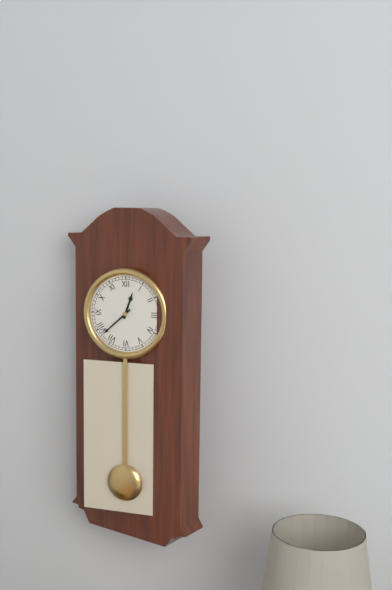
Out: 12,38
